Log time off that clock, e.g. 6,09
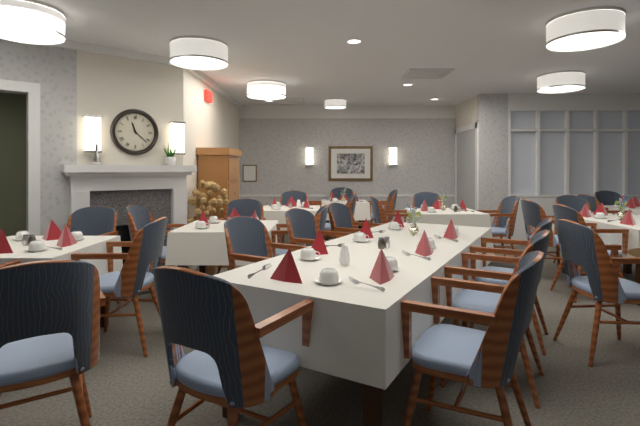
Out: 11,22
